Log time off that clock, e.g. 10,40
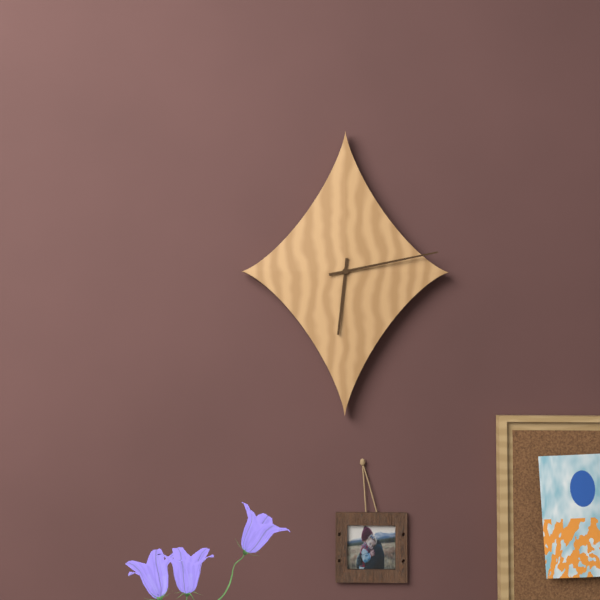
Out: 6,13
